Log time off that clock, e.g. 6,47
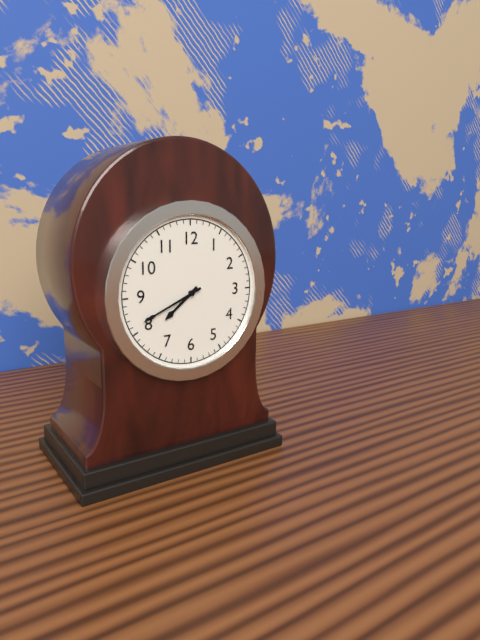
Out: 7,41
